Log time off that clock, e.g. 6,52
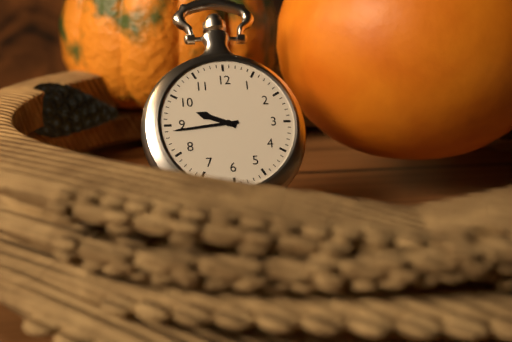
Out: 9,44
